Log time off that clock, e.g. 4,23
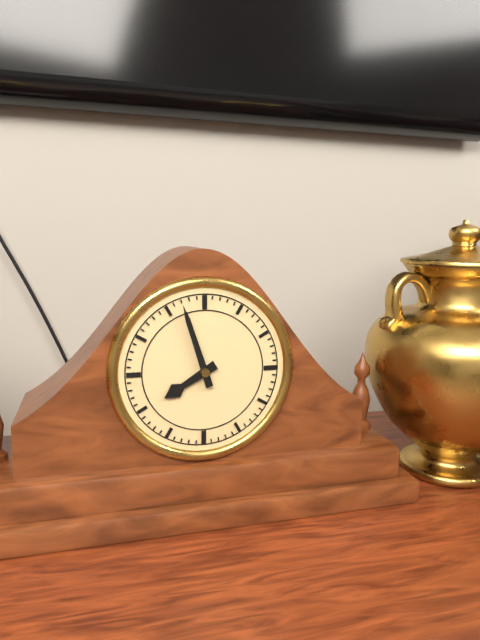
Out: 7,57
